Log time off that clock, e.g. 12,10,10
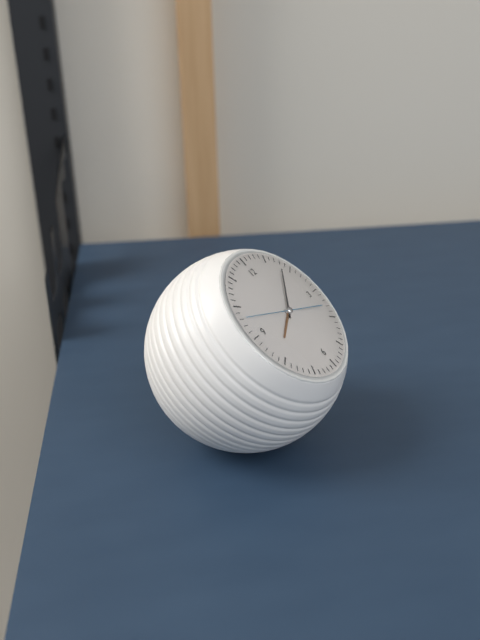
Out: 8,08,48
